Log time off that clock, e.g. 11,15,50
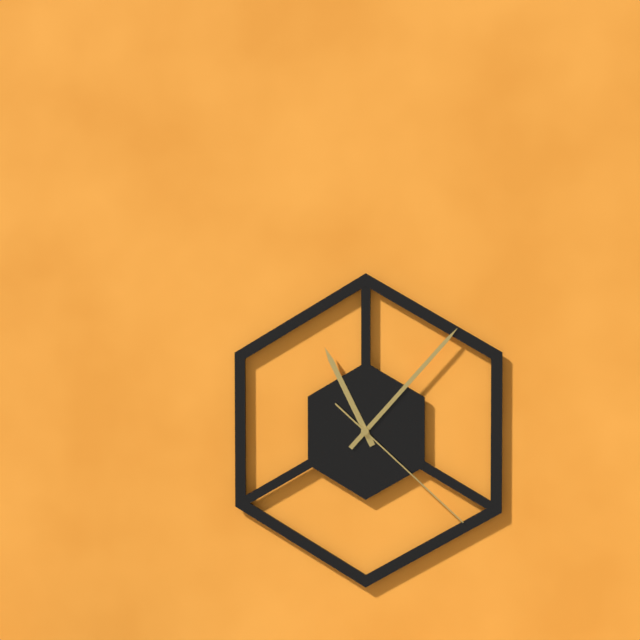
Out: 11,07,22
